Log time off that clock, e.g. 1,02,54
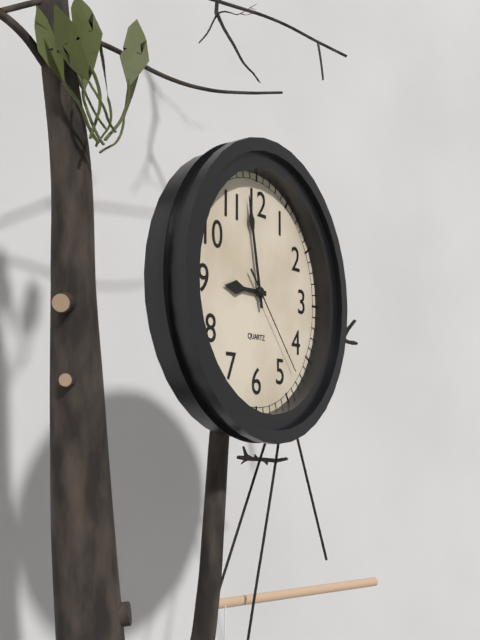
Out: 8,58,23
